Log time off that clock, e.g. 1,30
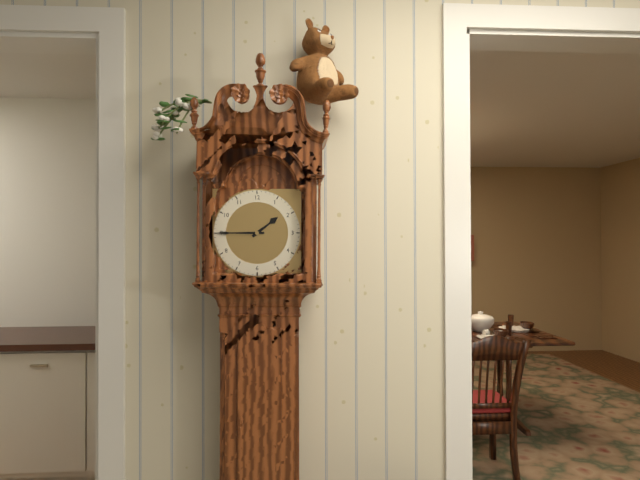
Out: 1,45
